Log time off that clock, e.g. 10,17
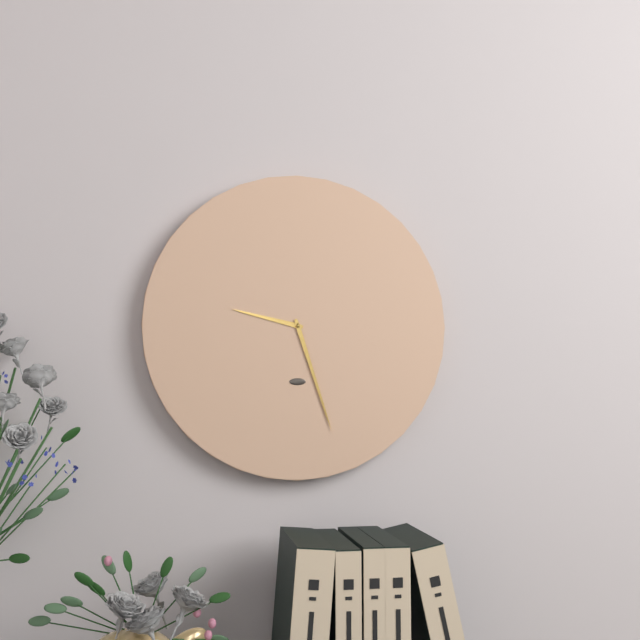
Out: 9,27
